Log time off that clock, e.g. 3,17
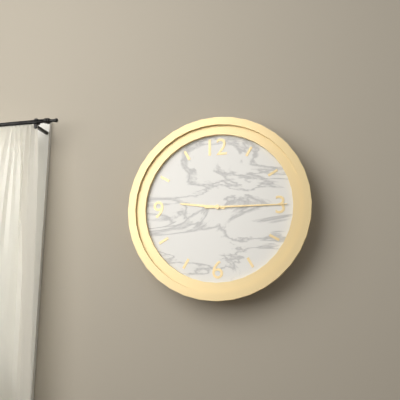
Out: 9,15
